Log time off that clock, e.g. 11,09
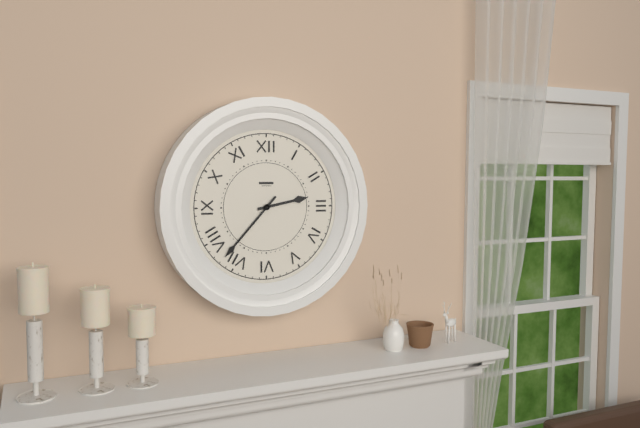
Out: 2,37
